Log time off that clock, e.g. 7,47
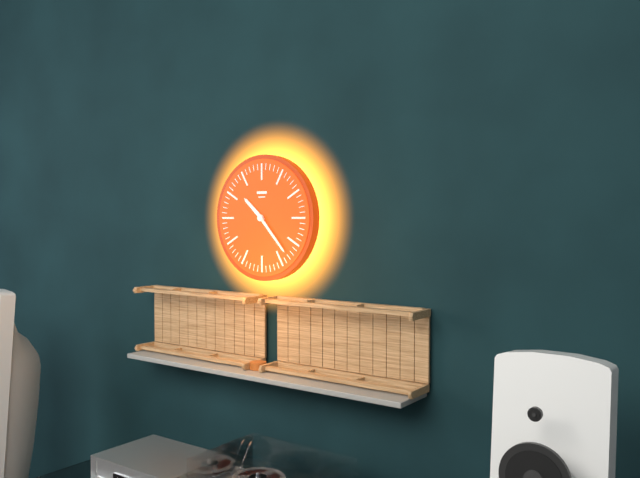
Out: 10,23
